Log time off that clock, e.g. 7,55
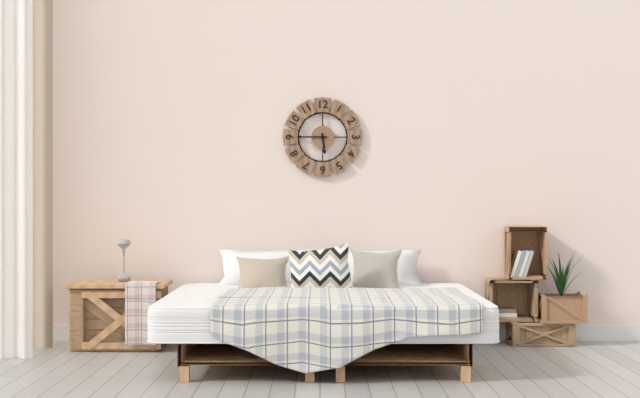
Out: 5,45
